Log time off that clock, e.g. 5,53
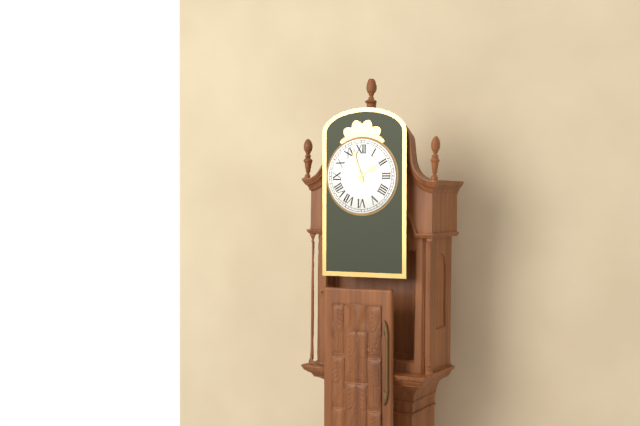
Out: 1,57
